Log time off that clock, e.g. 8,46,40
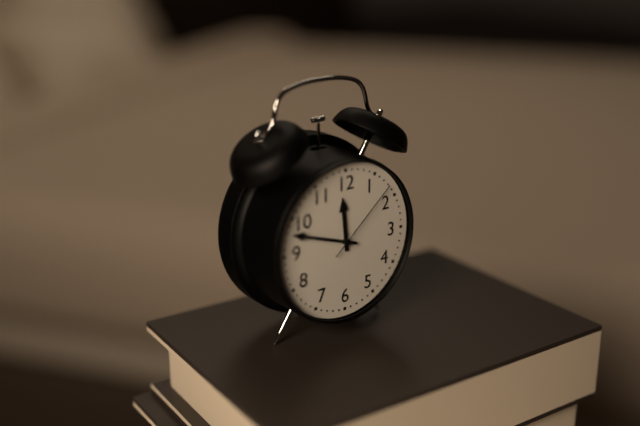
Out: 11,48,08
